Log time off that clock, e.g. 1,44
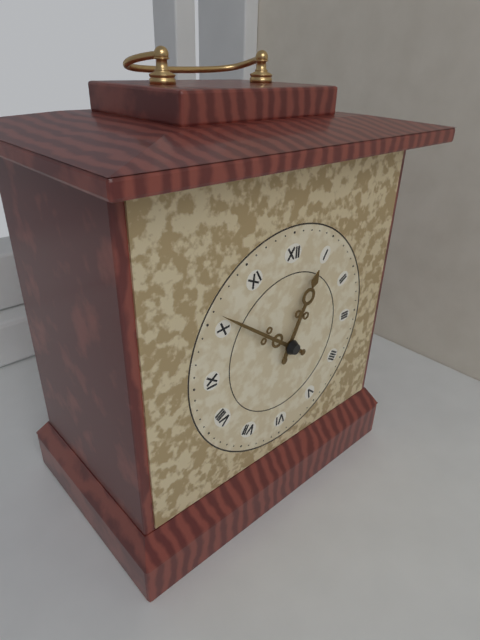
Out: 12,51
